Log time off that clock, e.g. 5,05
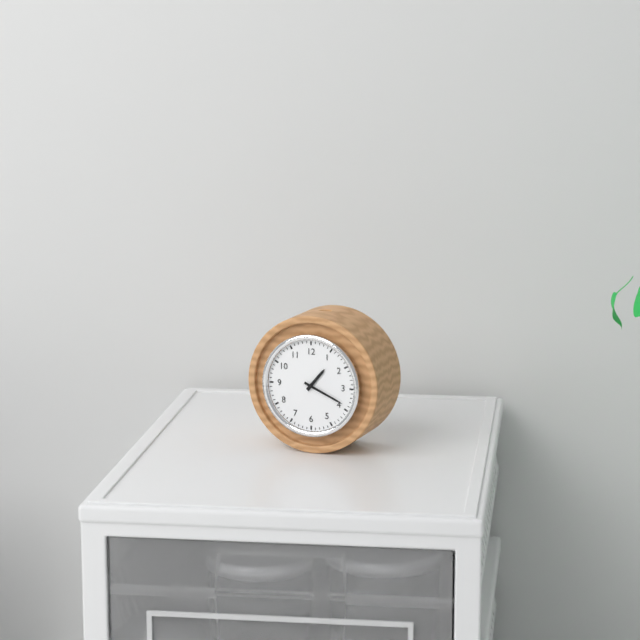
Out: 1,19
